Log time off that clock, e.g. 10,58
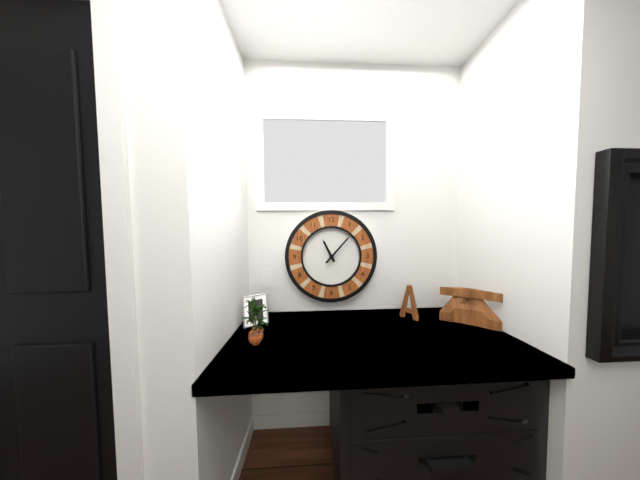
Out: 11,07
